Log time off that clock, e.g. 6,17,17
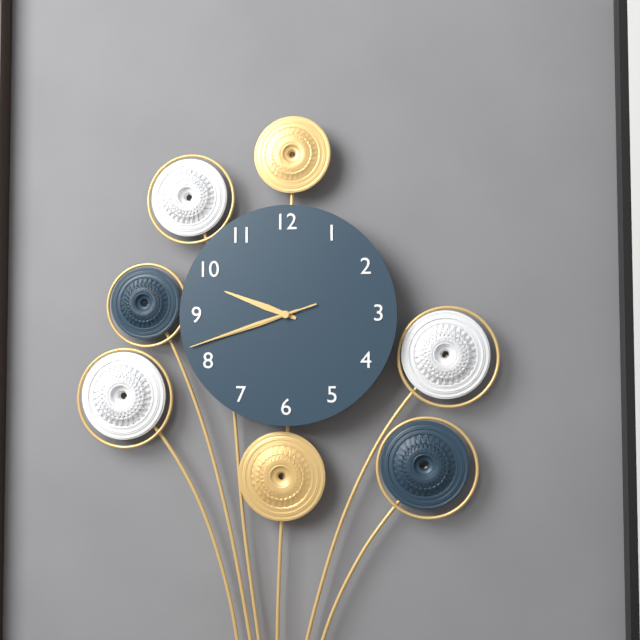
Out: 9,42,42
